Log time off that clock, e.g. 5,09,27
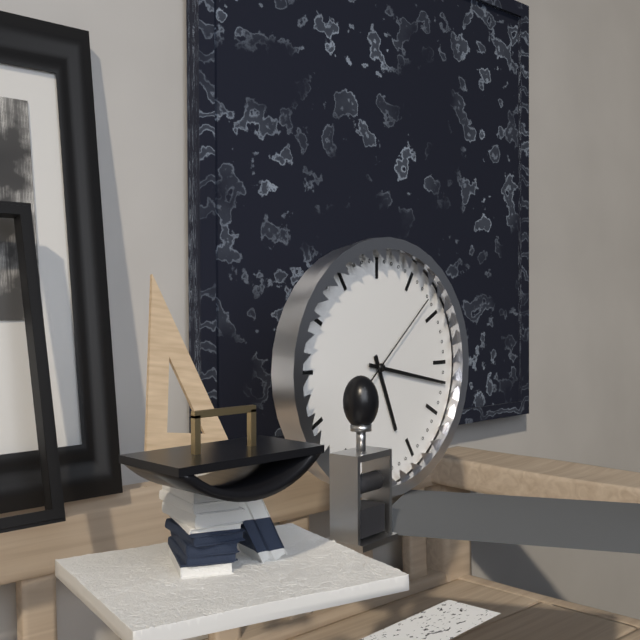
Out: 5,17,08
